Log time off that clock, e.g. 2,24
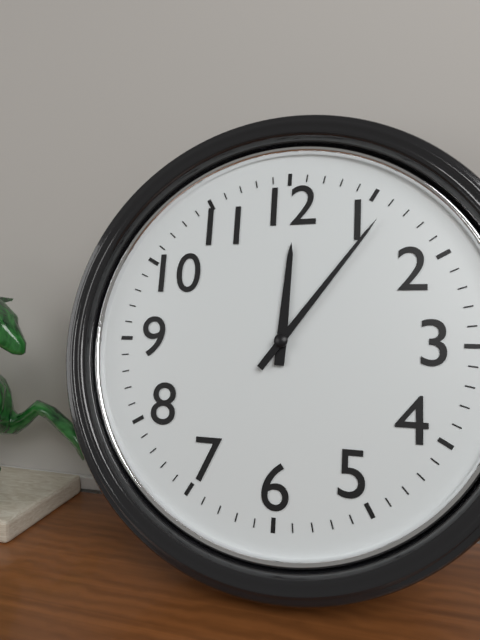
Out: 12,06
